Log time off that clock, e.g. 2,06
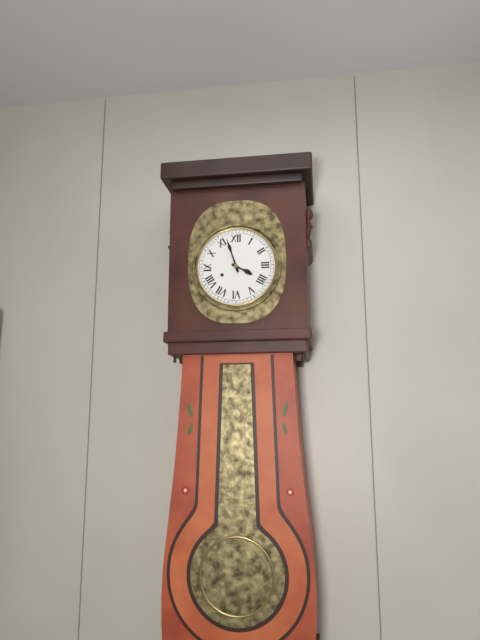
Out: 3,57
